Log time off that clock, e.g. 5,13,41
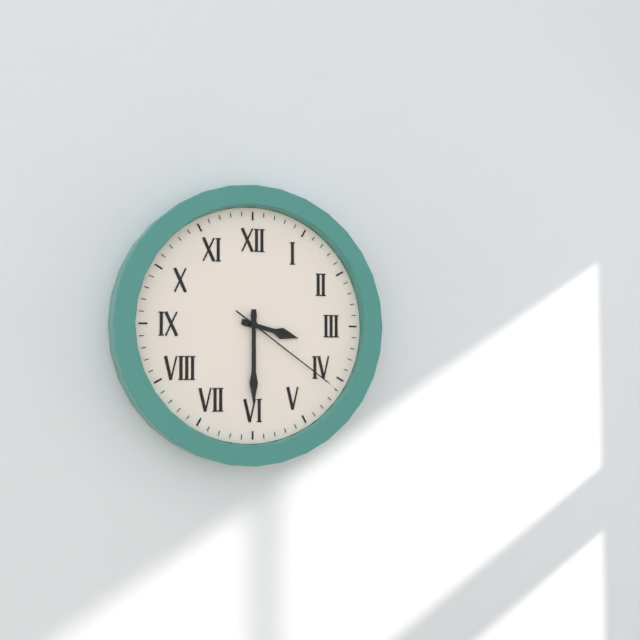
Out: 3,30,21
